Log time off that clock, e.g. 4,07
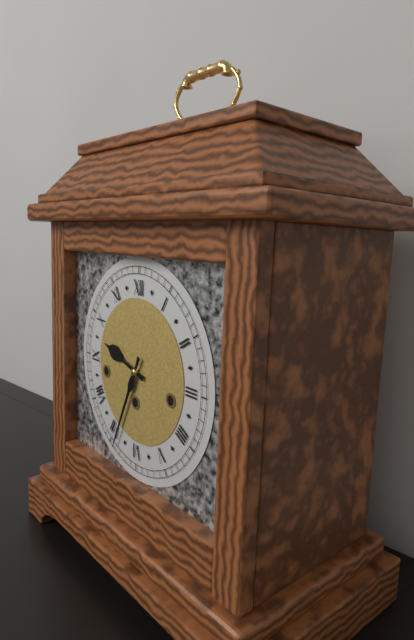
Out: 9,34
